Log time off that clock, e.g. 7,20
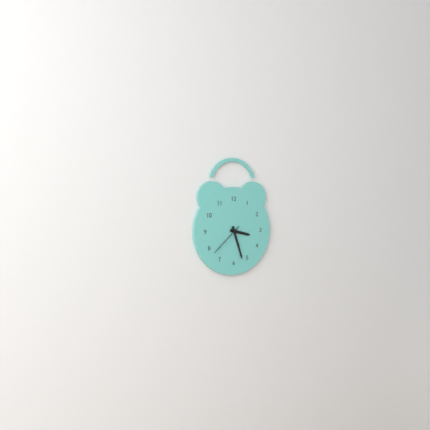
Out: 3,27
